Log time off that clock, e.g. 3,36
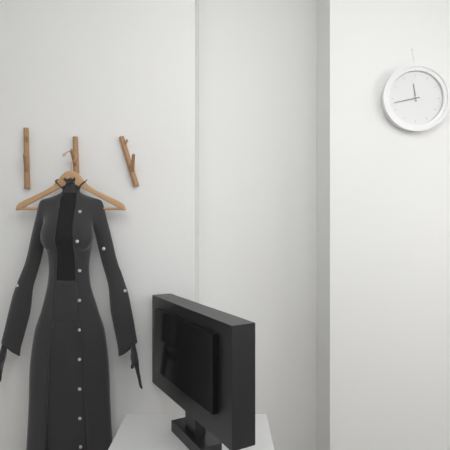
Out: 11,43
